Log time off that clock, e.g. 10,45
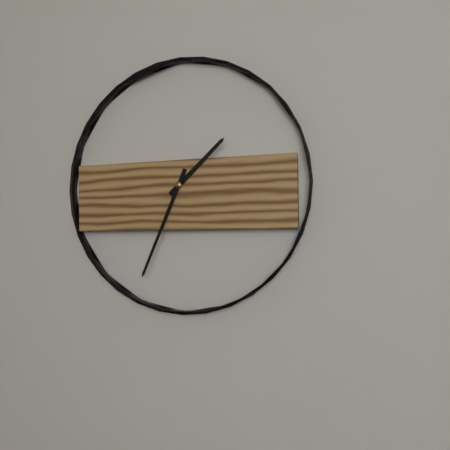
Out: 1,34
